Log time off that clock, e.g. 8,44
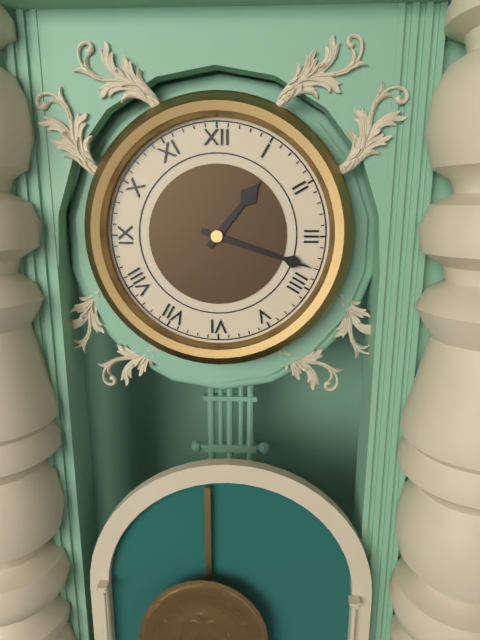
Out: 1,18
